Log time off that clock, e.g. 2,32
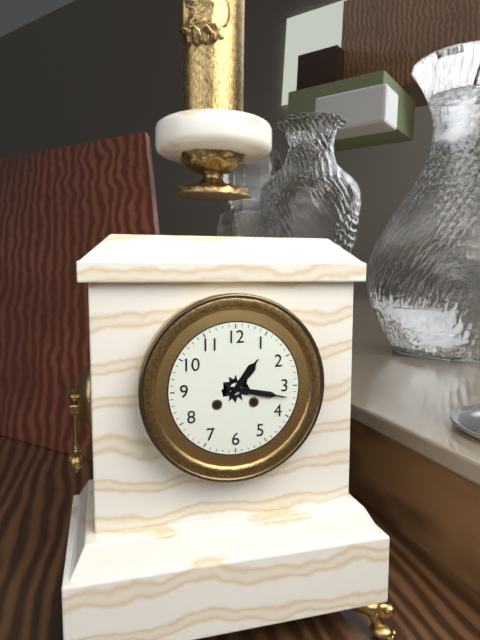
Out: 1,17
